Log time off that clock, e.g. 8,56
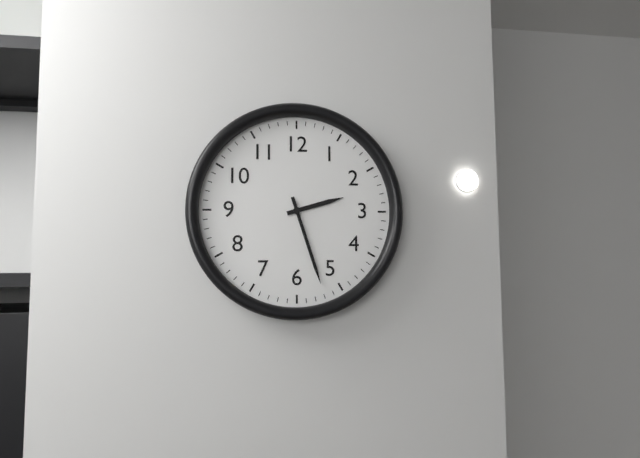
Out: 2,27
